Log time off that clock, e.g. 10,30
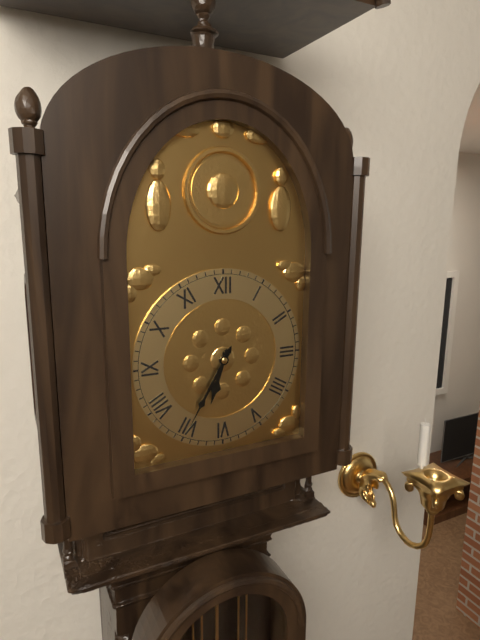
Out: 6,35
